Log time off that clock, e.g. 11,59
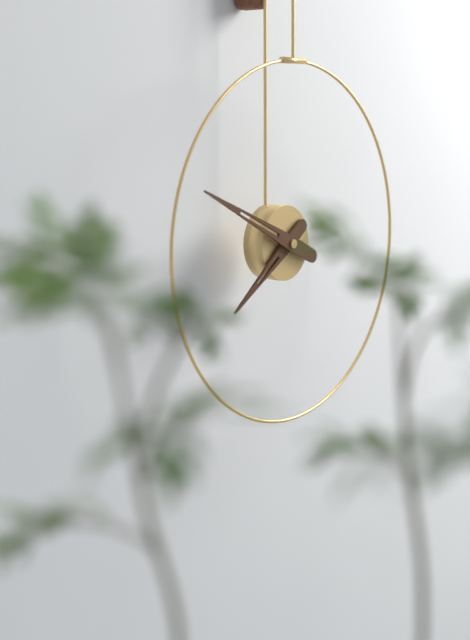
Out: 7,49
